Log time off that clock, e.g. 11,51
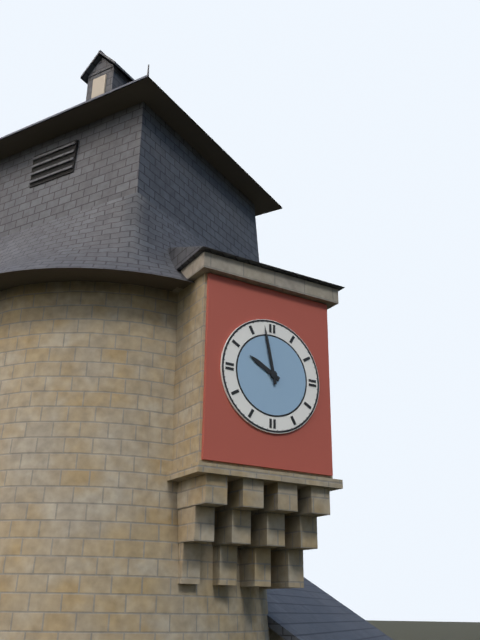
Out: 9,58
